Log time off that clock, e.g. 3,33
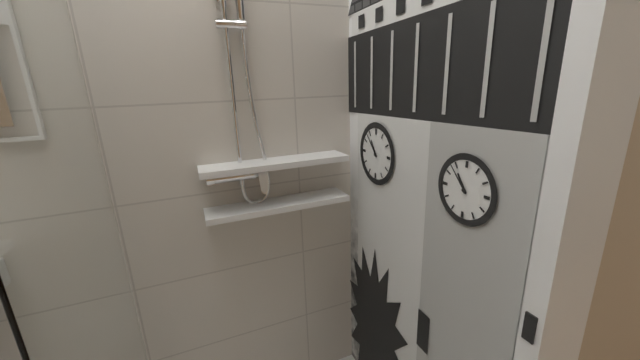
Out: 10,53
